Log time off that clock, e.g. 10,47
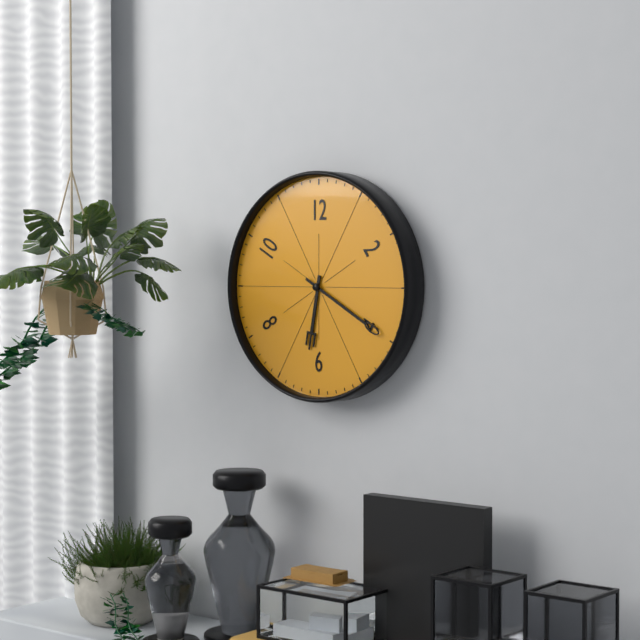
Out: 6,20
